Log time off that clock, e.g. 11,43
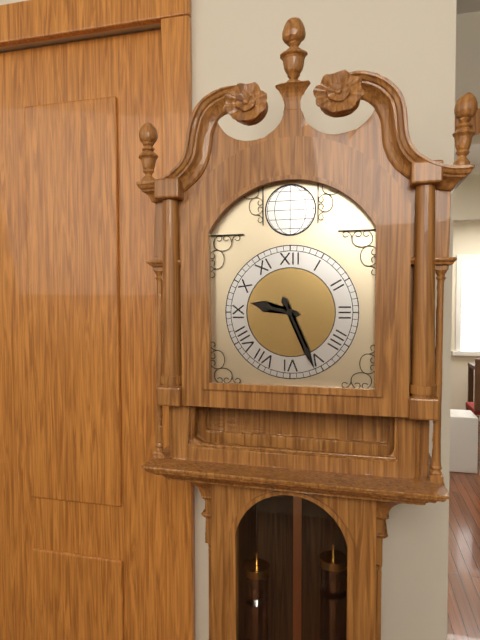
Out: 9,26
